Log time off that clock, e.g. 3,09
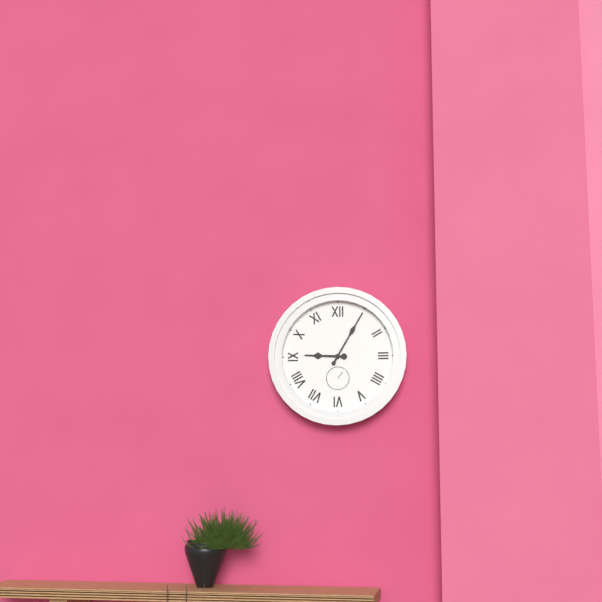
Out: 9,05
